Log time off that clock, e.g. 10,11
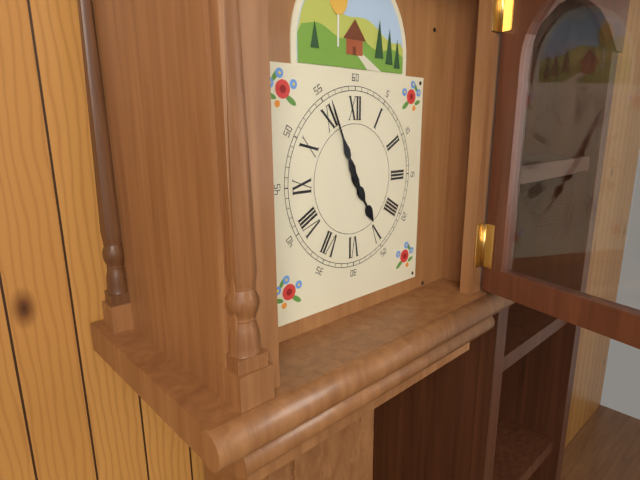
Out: 4,56
